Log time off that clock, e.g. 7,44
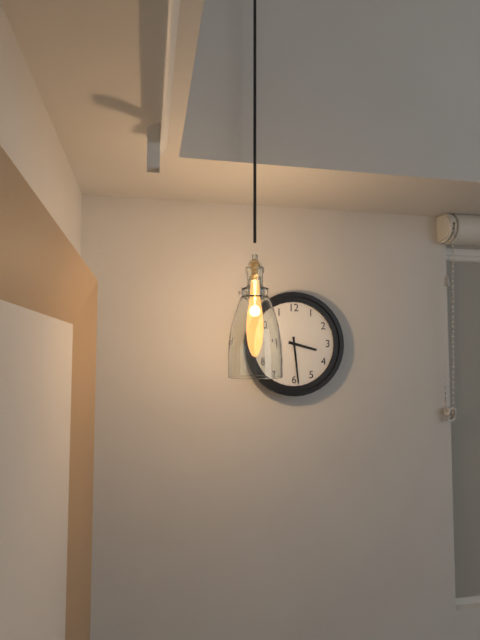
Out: 3,29
